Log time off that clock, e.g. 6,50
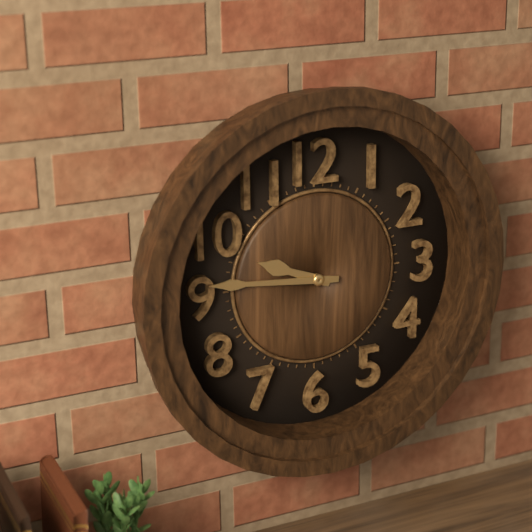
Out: 9,46
